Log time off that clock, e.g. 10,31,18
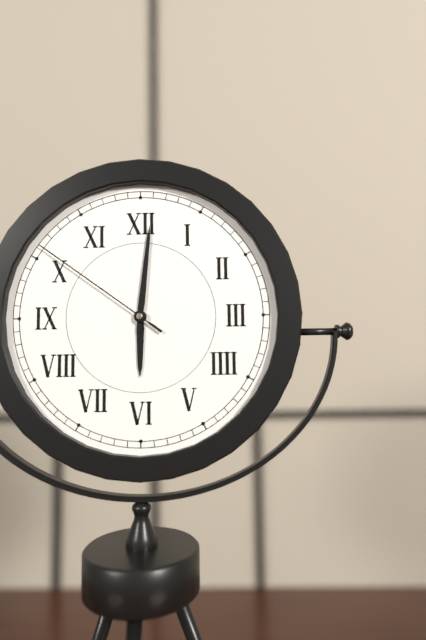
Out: 6,01,51
